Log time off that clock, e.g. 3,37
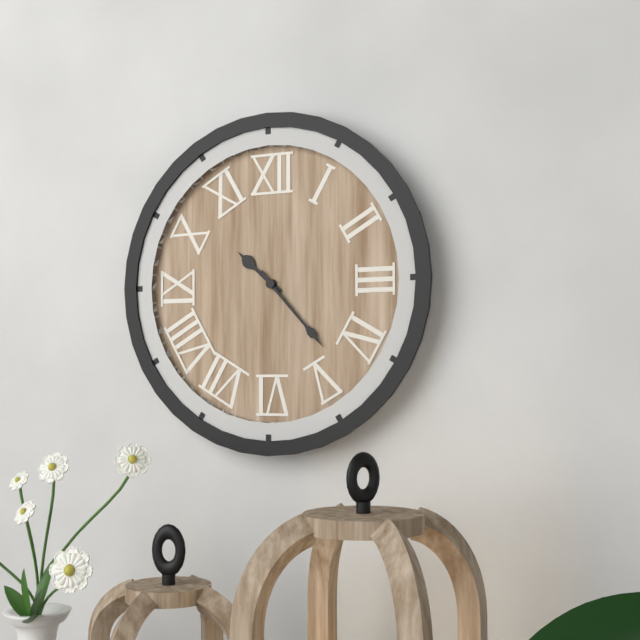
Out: 10,23
